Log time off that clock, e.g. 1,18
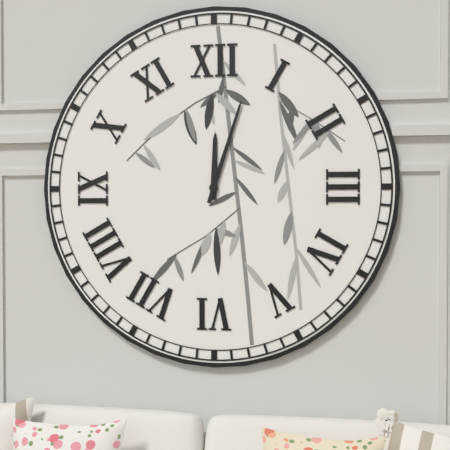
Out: 12,03
